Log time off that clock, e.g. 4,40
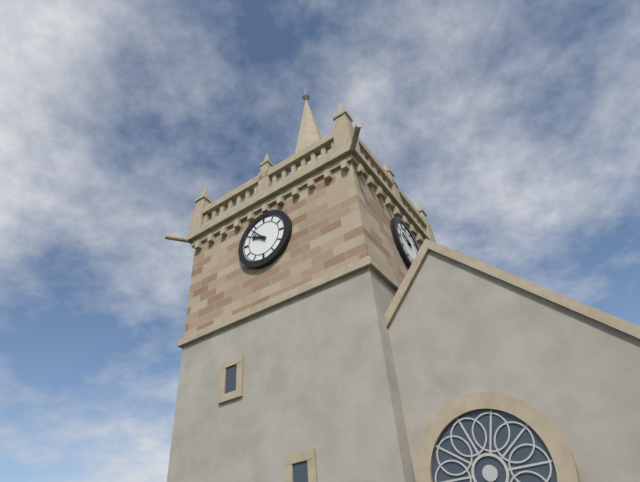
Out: 9,53
